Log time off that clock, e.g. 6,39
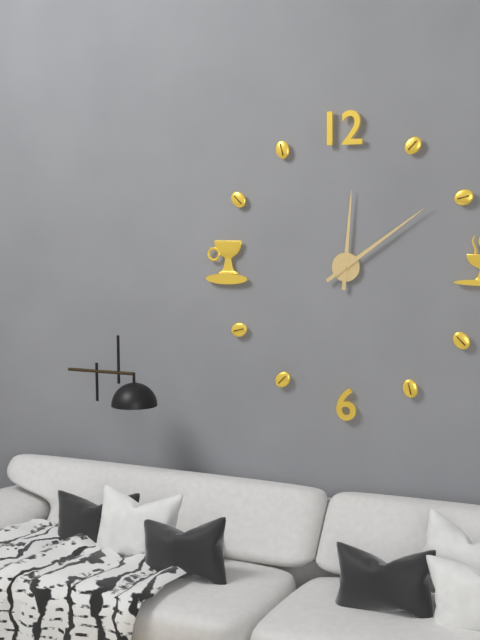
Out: 12,09
